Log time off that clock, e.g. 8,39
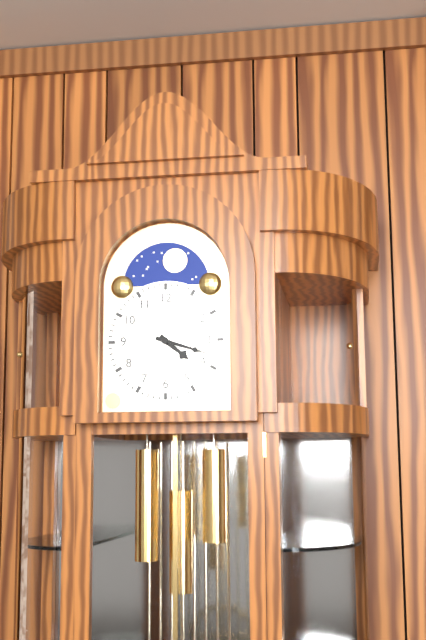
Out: 4,18
